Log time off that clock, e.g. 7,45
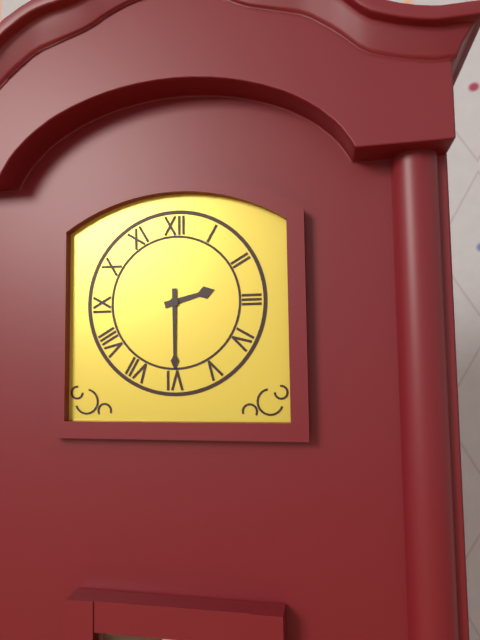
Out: 2,30
